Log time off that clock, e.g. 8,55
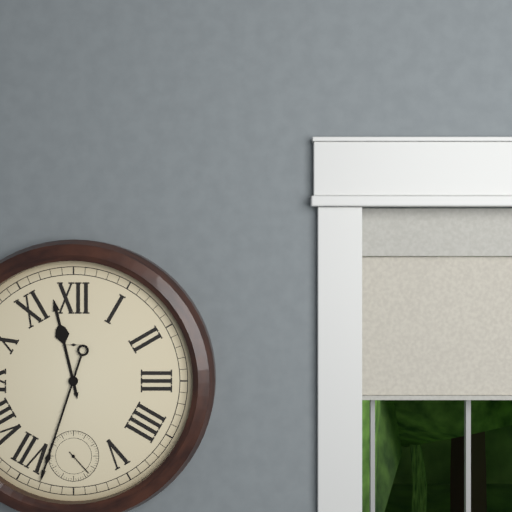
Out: 11,33
